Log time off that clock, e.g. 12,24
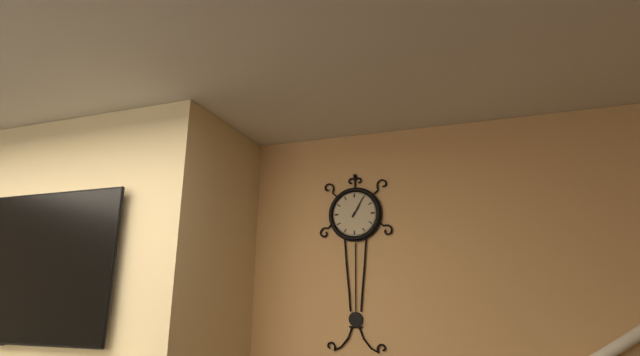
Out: 1,05
